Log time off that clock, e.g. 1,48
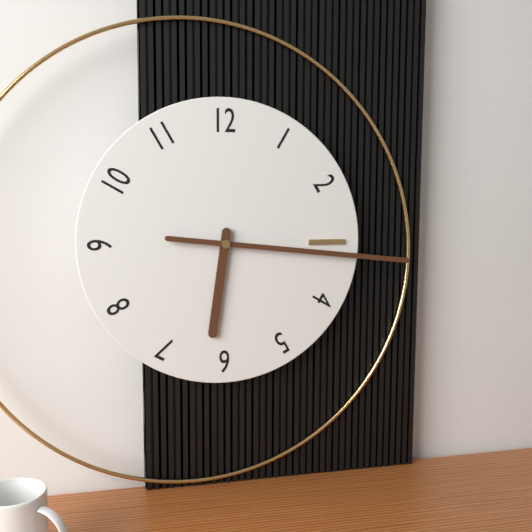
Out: 6,16
